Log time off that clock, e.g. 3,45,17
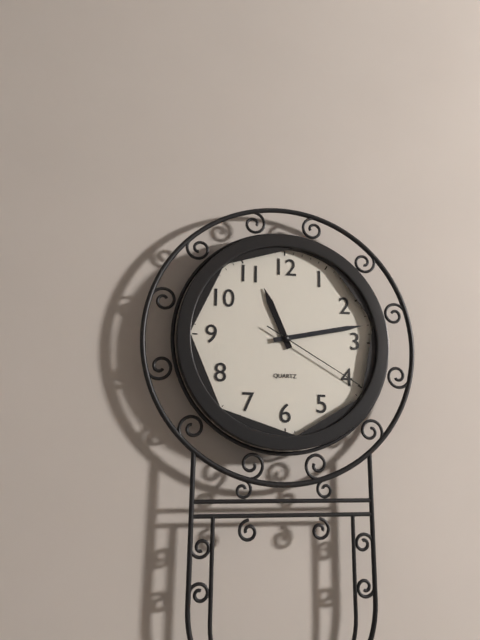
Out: 11,13,20
